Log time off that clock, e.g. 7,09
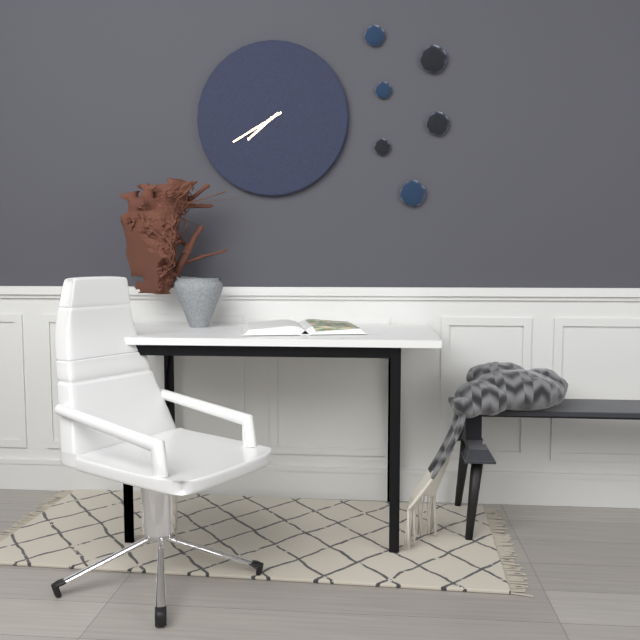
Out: 7,40
